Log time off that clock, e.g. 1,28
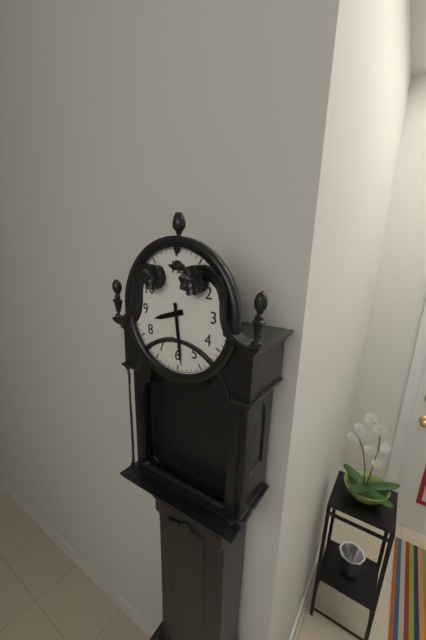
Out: 8,29
